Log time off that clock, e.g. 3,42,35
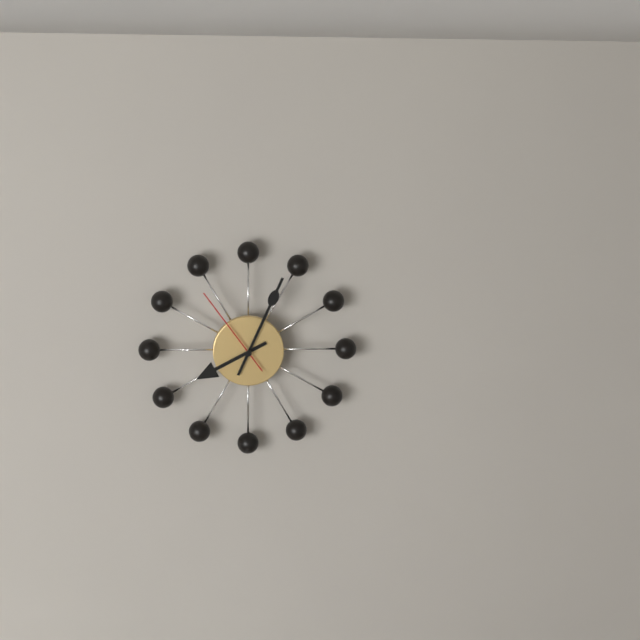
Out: 8,04,54
